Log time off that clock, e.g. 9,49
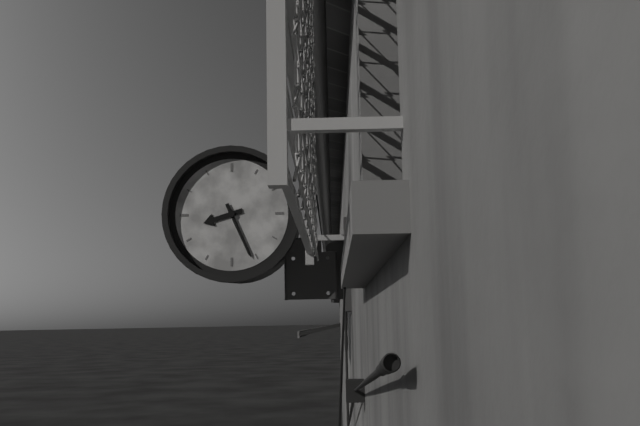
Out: 8,26
